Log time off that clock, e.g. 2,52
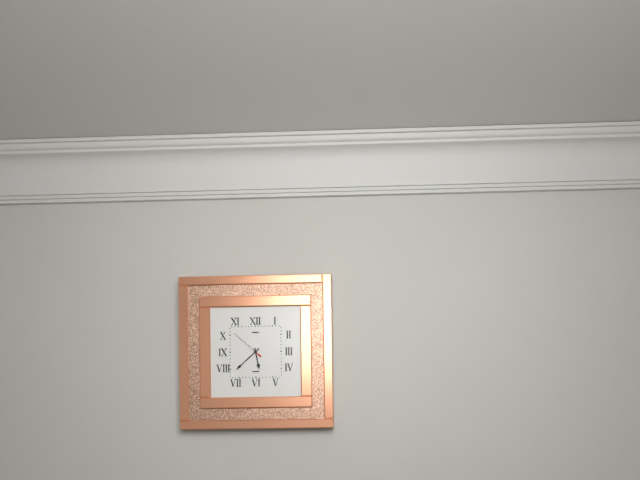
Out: 5,38
